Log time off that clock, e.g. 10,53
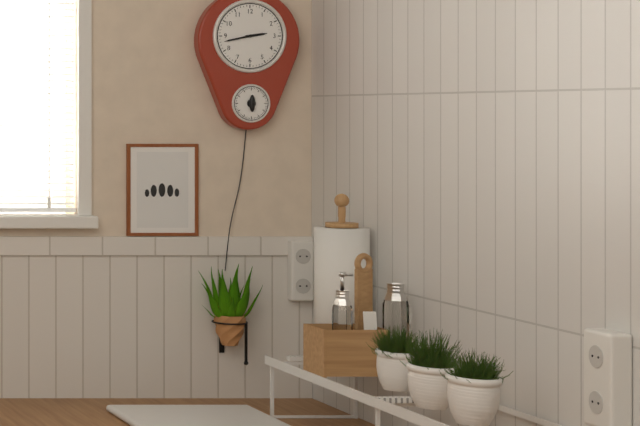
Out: 2,43
